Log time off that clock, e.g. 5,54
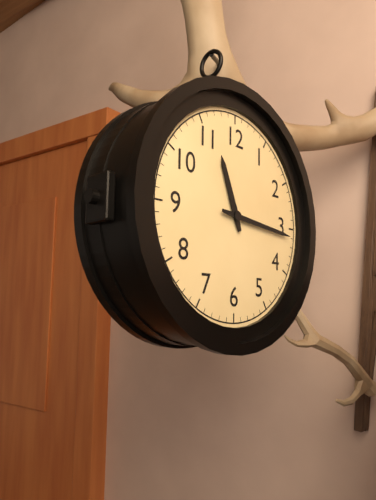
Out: 11,16
